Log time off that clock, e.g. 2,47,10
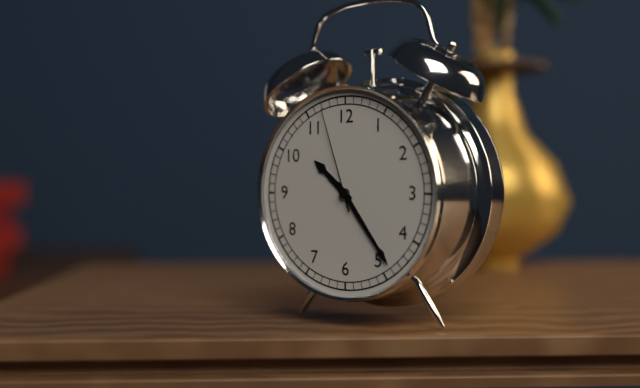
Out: 10,24,57
